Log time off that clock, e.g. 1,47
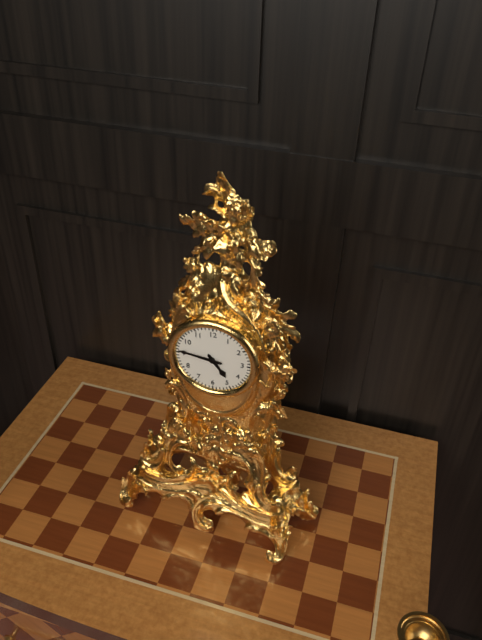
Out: 4,46
